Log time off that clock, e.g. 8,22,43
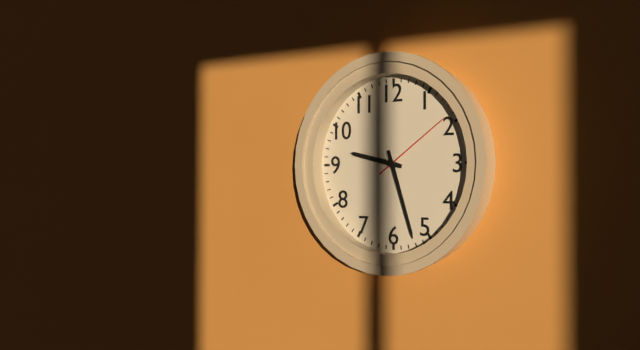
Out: 9,27,09
